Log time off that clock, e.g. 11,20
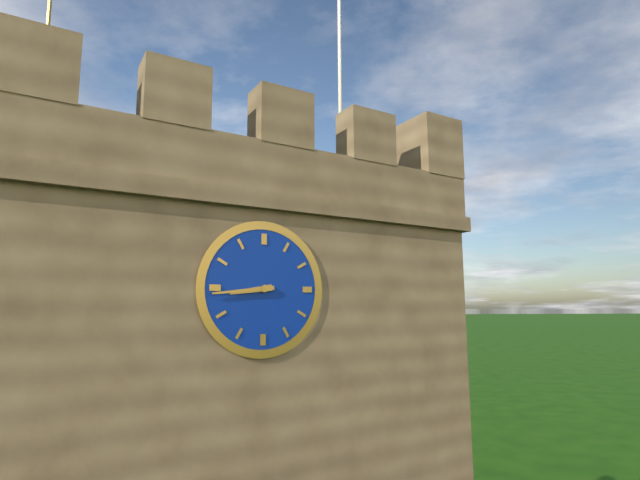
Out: 8,44
